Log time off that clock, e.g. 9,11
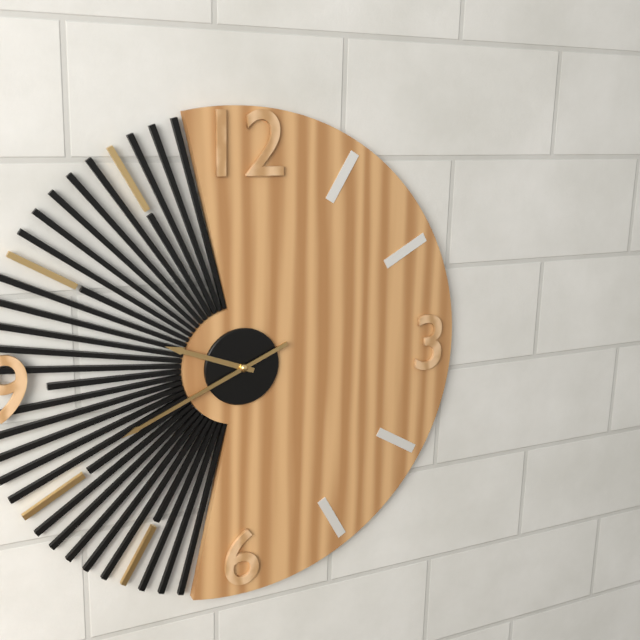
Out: 9,41
